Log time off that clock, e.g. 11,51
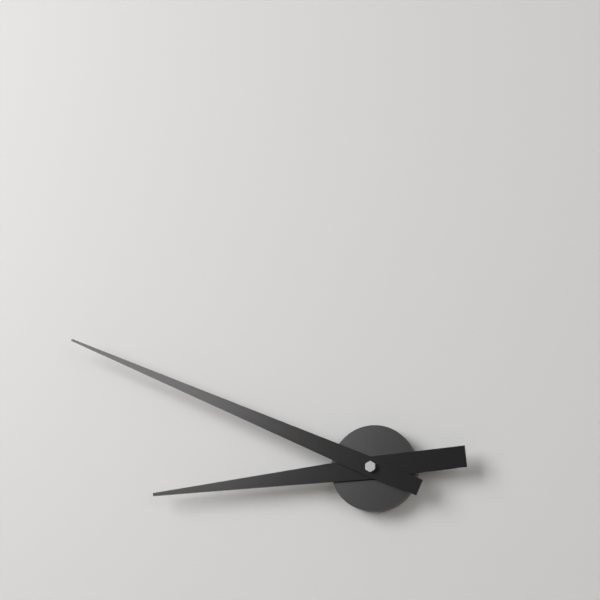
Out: 8,49
